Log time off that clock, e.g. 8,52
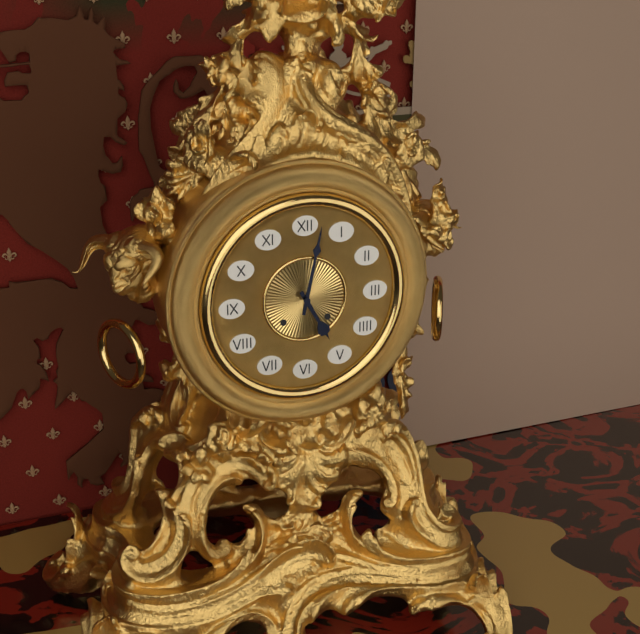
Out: 5,02
